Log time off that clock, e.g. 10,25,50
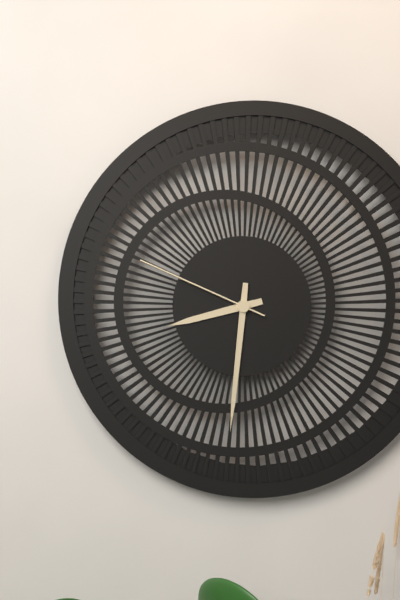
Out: 8,31,49
